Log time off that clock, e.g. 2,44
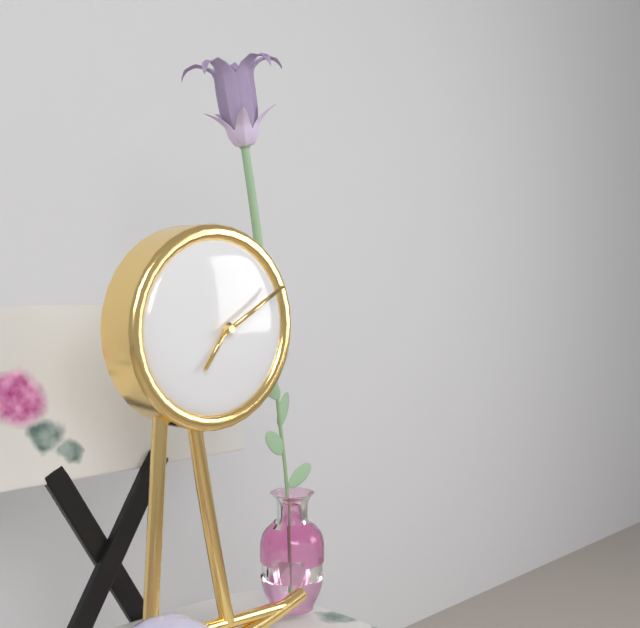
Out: 7,10
